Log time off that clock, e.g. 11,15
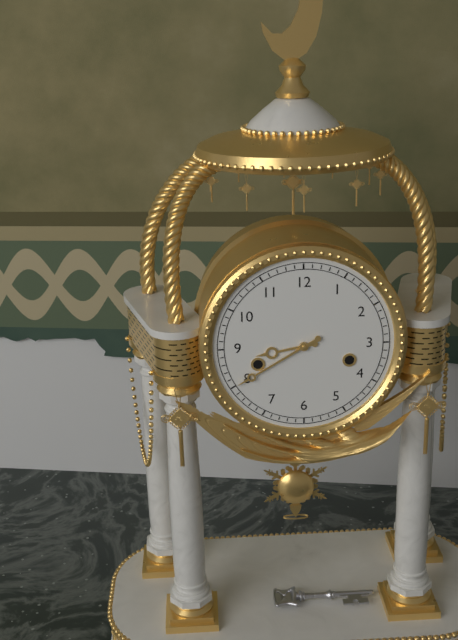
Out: 8,40
